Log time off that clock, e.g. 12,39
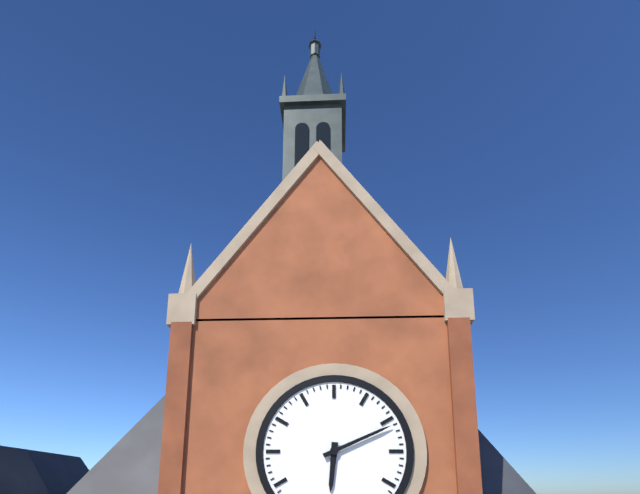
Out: 6,11
